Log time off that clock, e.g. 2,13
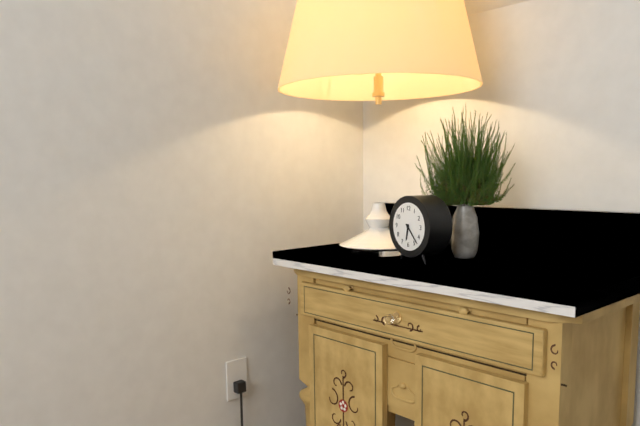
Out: 6,23
